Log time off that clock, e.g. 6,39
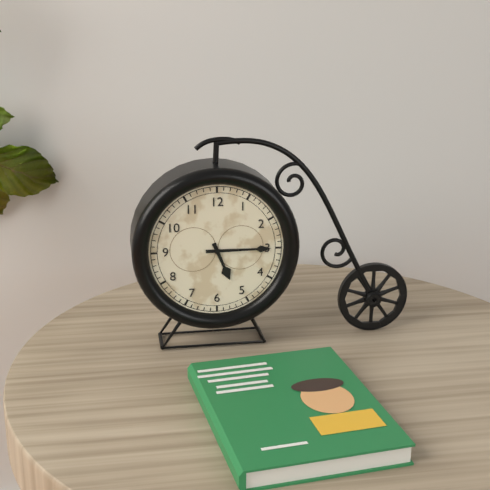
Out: 5,15
